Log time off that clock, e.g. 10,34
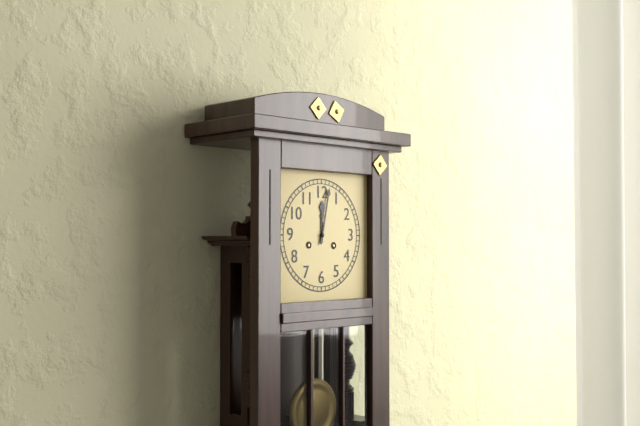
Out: 12,02
